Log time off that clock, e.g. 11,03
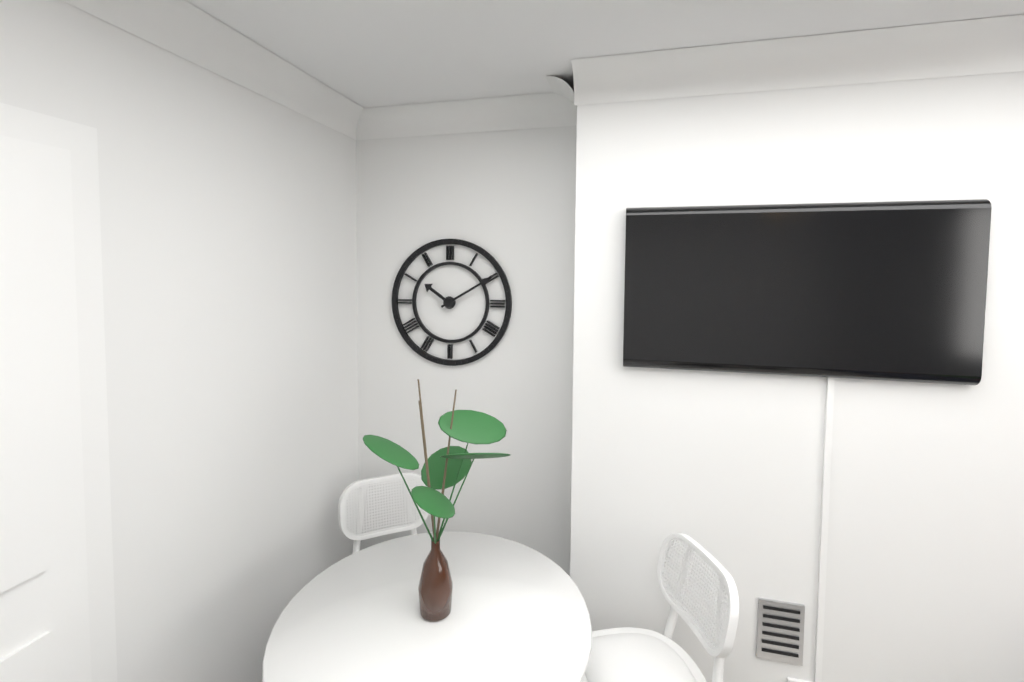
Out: 10,10
